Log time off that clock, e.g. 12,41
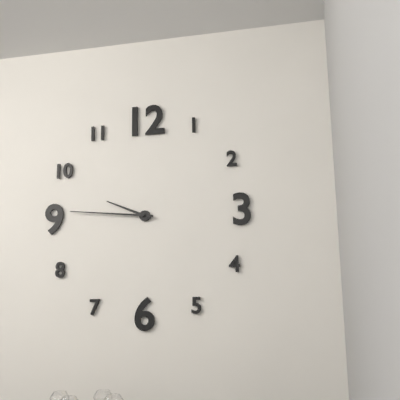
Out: 9,46
